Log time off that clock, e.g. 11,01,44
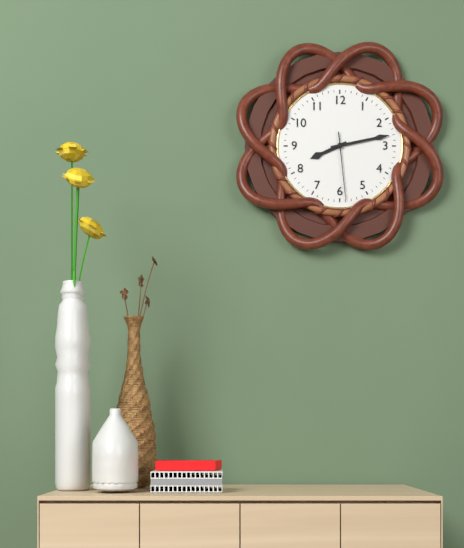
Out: 8,13,29
